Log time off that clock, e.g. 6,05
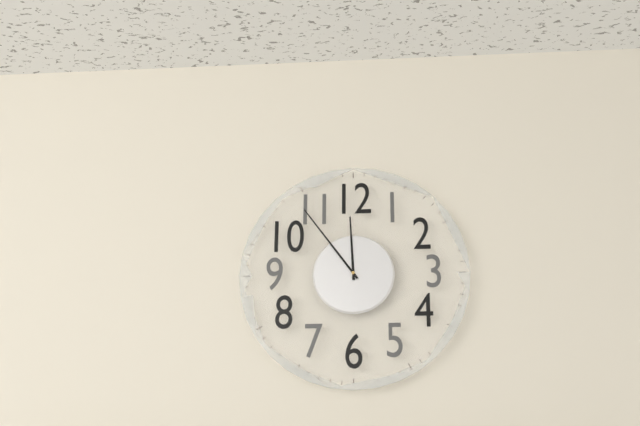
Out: 11,54
